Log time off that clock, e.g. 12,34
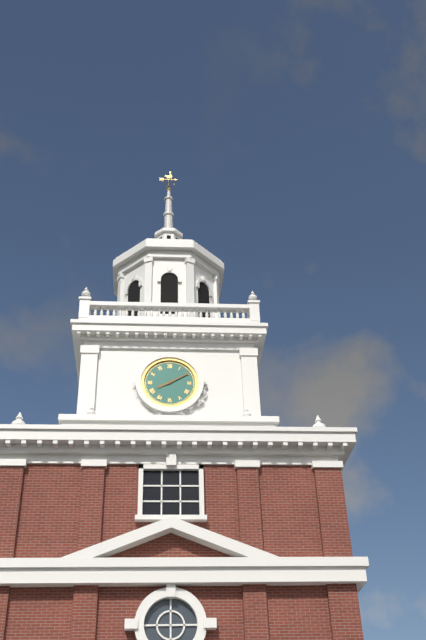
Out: 8,10
